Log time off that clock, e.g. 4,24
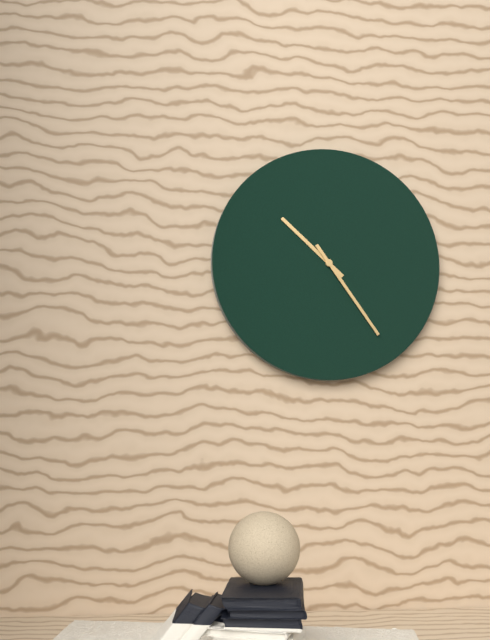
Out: 10,24
